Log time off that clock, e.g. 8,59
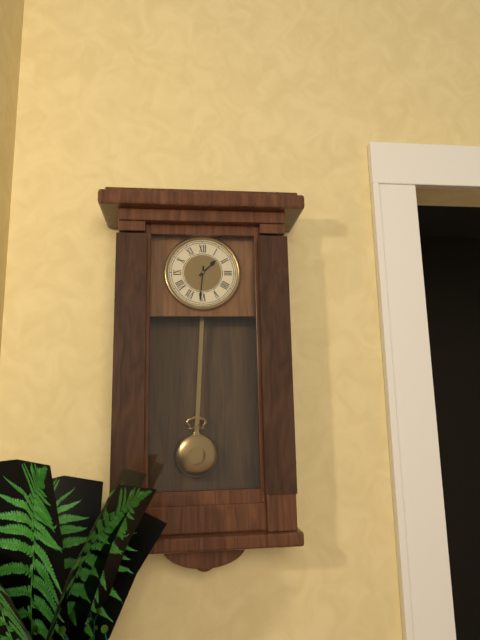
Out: 1,31
